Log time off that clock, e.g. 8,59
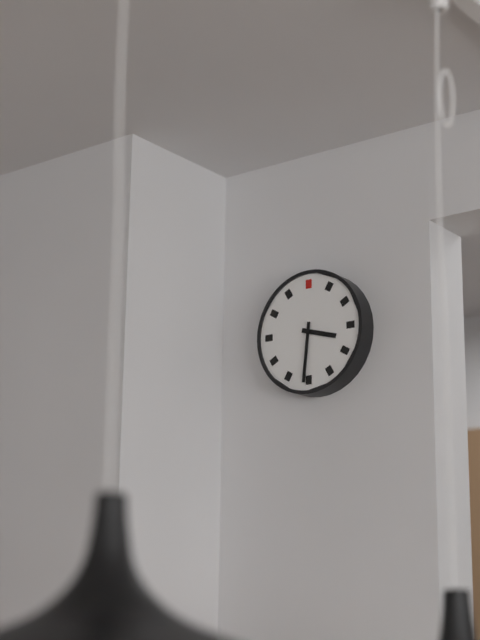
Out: 3,31
